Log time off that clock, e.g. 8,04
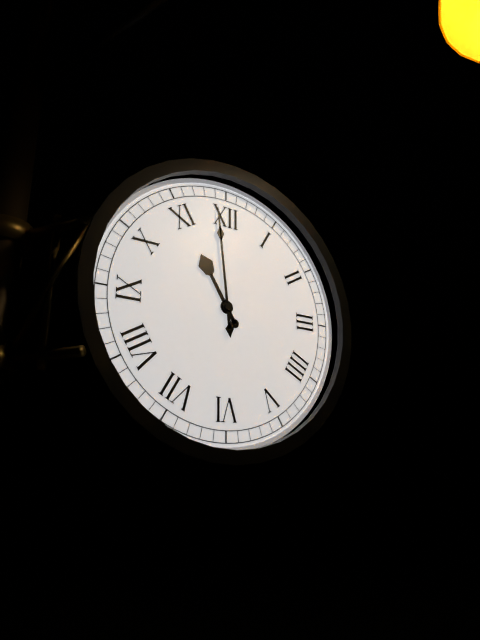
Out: 10,59
